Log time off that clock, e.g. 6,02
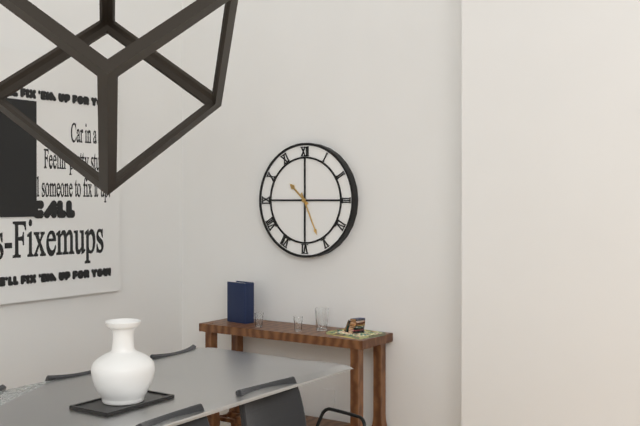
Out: 10,26
